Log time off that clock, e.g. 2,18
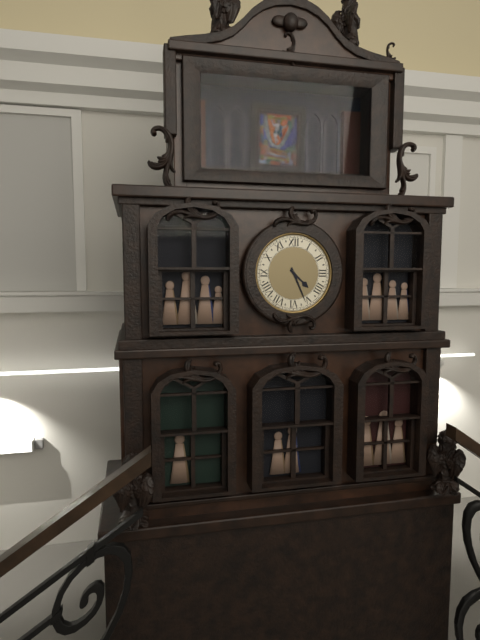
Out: 4,26
